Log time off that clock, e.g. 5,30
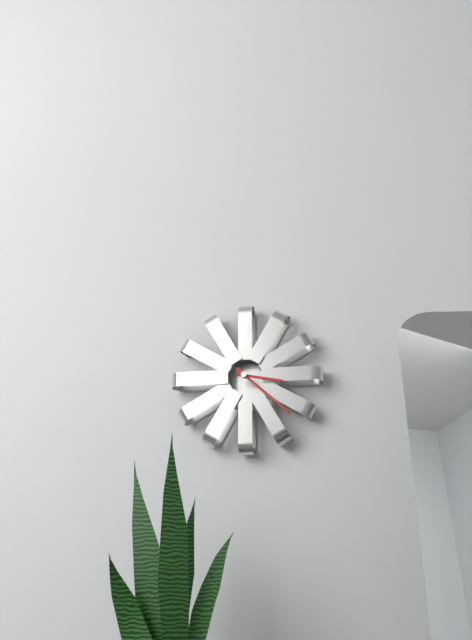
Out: 3,22
